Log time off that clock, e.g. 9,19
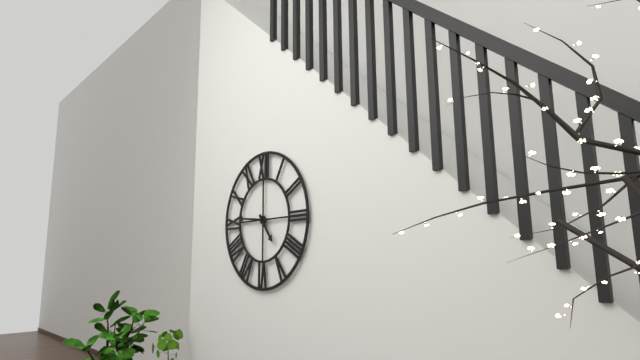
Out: 4,46
